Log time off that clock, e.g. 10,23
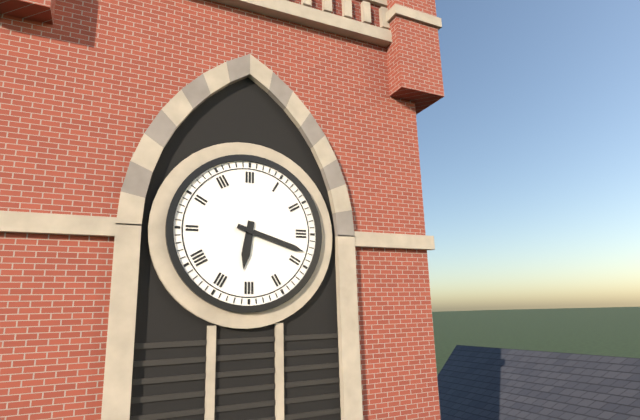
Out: 6,18
